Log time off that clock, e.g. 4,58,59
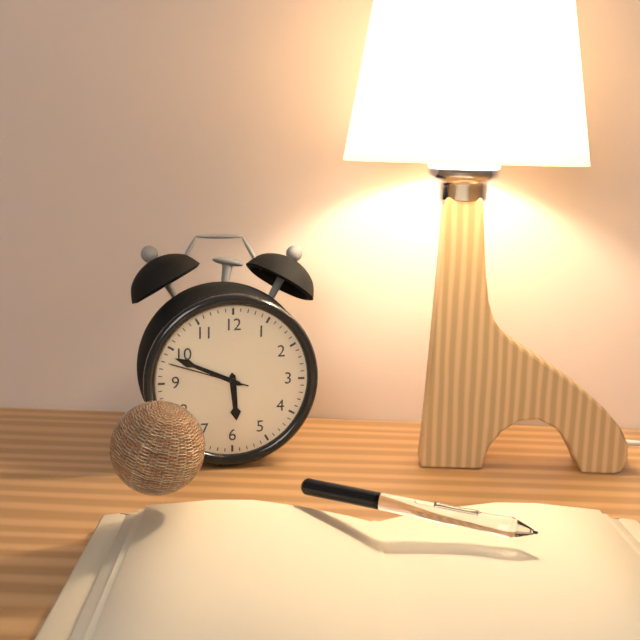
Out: 5,49,48
